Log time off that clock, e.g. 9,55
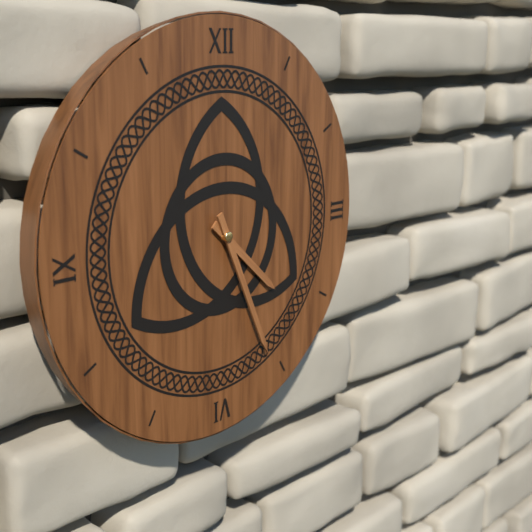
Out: 4,26
